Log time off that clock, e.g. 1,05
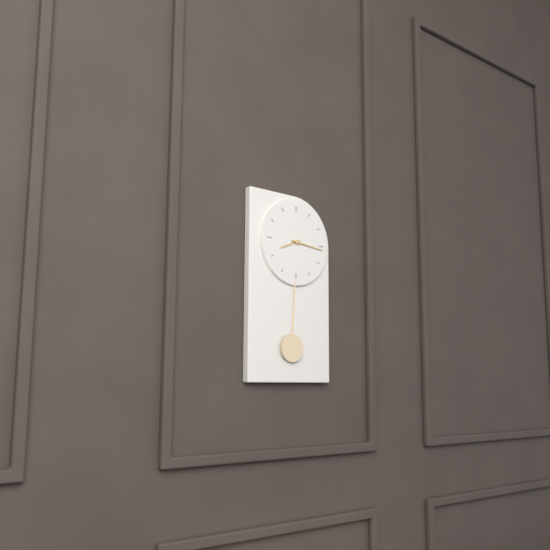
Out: 8,16
